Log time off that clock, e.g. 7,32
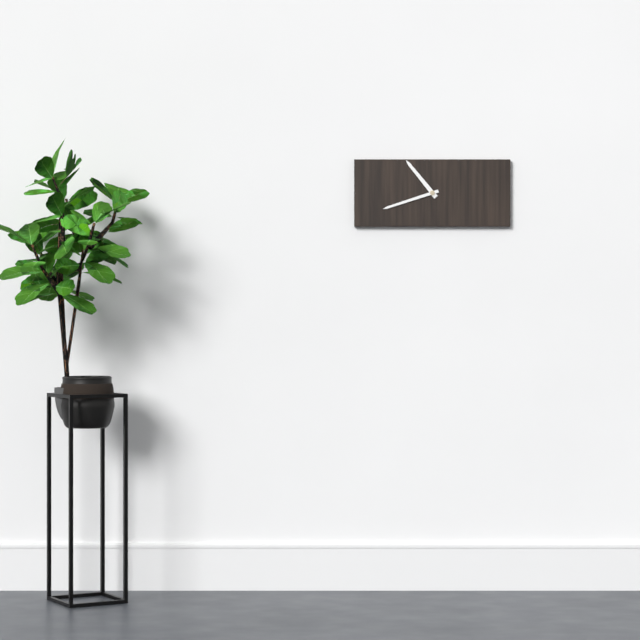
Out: 10,42
